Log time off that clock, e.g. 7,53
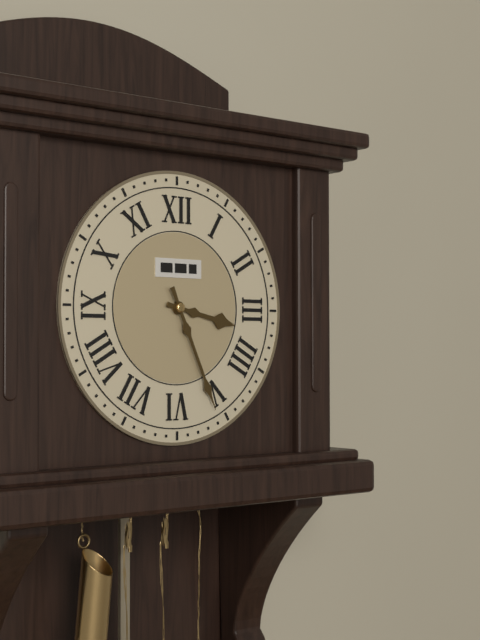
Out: 3,26
